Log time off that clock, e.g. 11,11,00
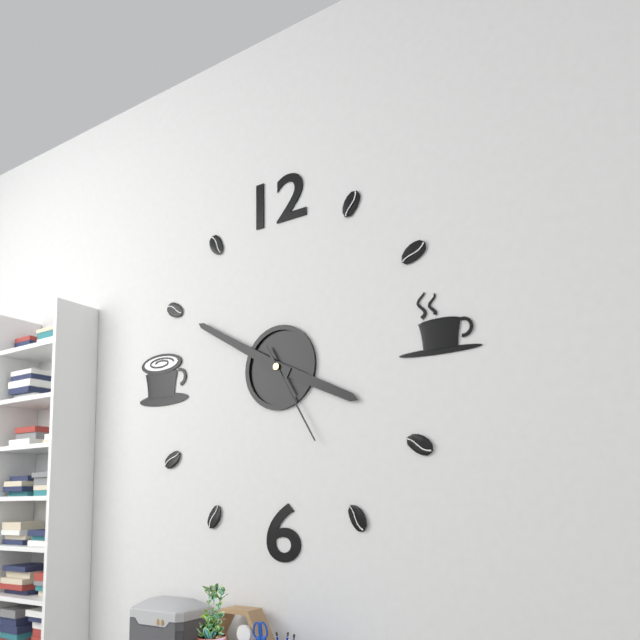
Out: 3,50,25
